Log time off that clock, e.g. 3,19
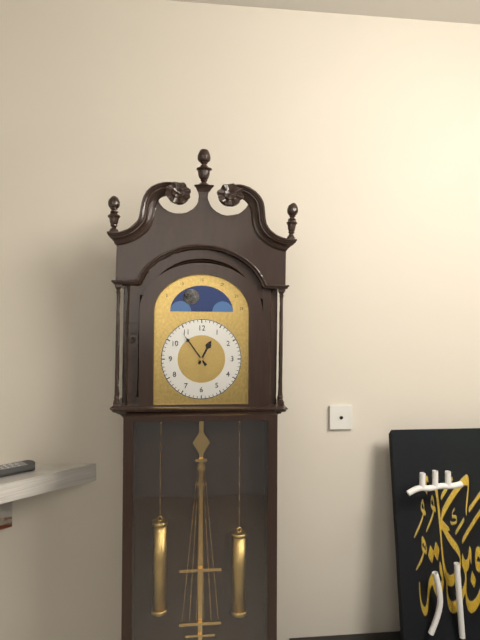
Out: 12,54
